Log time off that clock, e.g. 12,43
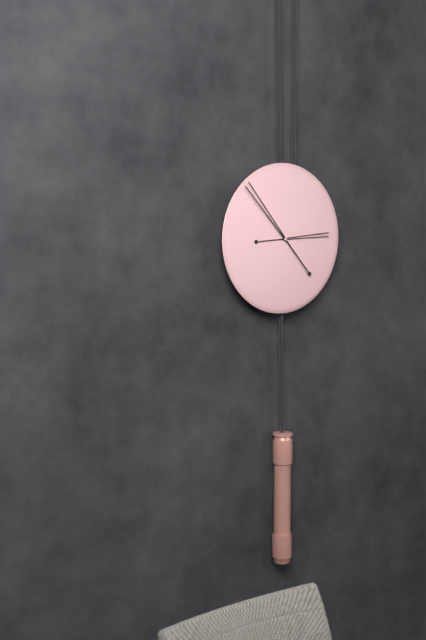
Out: 2,53
